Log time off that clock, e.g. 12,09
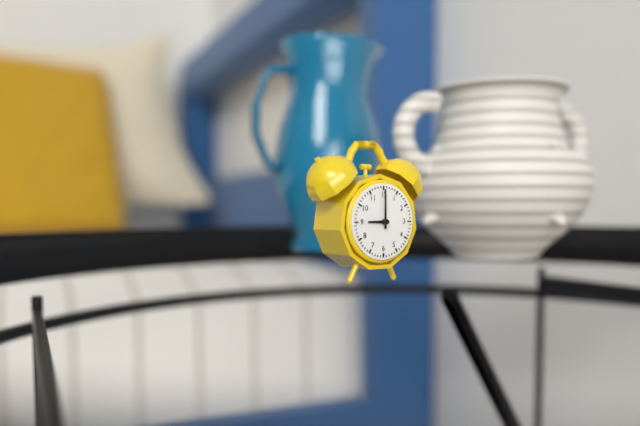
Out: 9,00
